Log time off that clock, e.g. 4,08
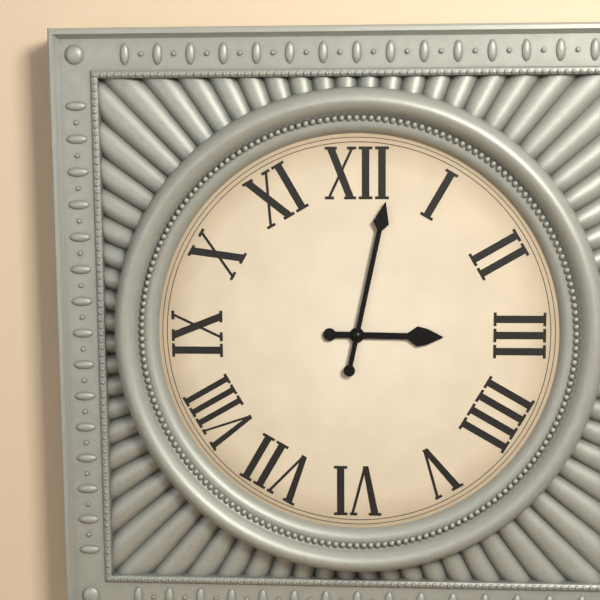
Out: 3,02
